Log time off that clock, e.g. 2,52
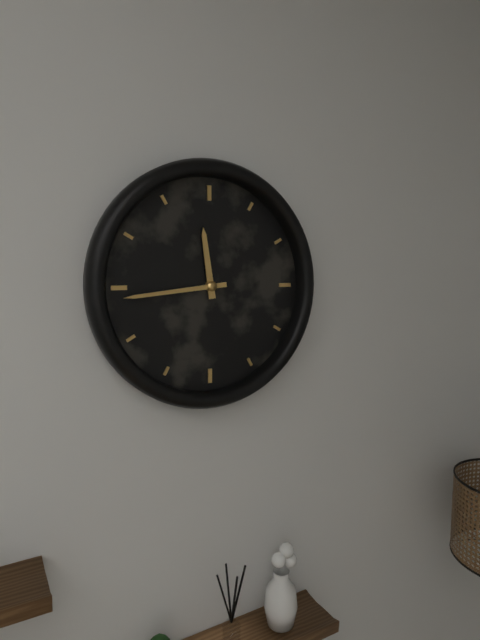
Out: 11,44
